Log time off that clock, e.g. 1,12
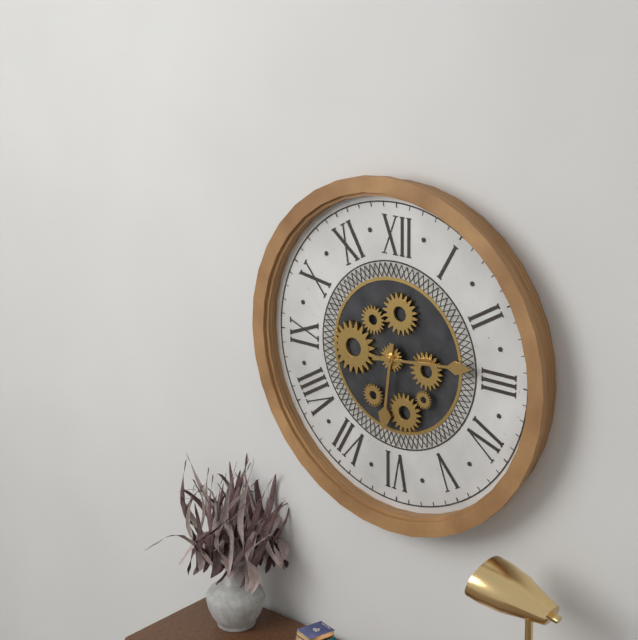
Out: 6,14
